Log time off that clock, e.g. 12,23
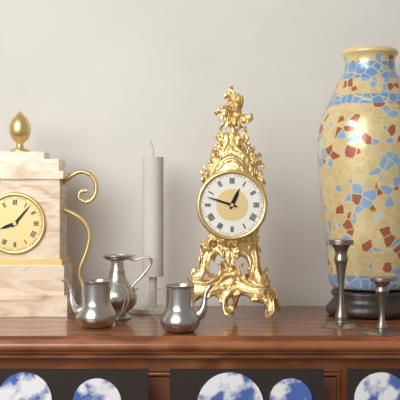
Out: 12,48
